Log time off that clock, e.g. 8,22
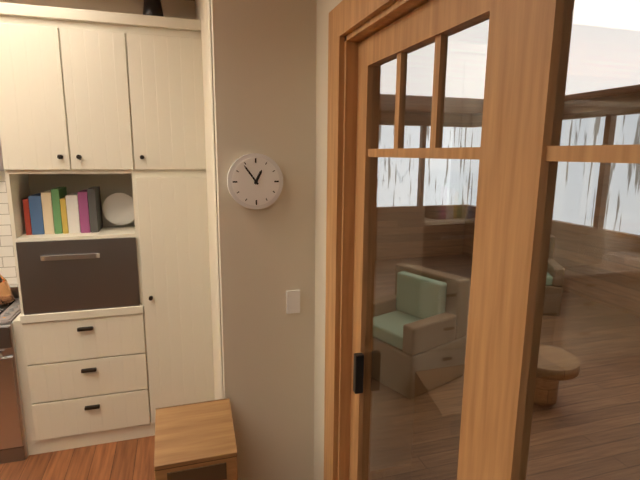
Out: 12,54
